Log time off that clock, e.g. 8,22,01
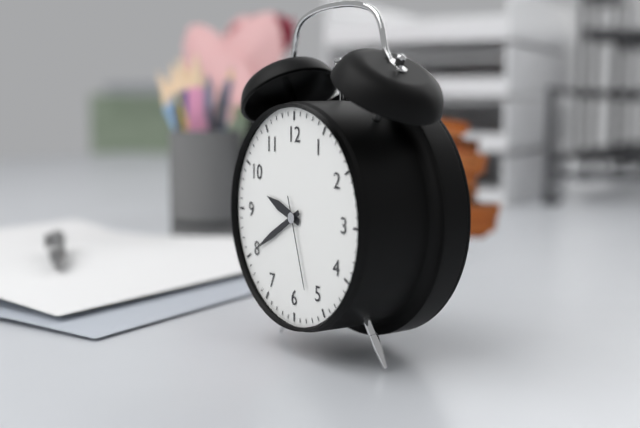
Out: 9,40,27
